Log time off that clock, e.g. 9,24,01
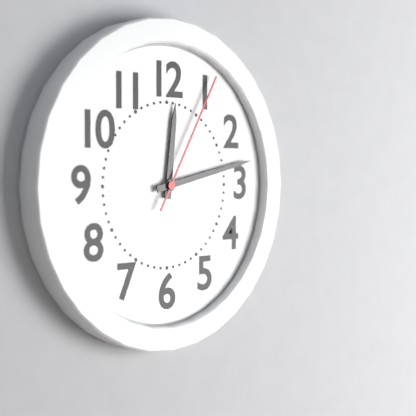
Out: 12,13,05
